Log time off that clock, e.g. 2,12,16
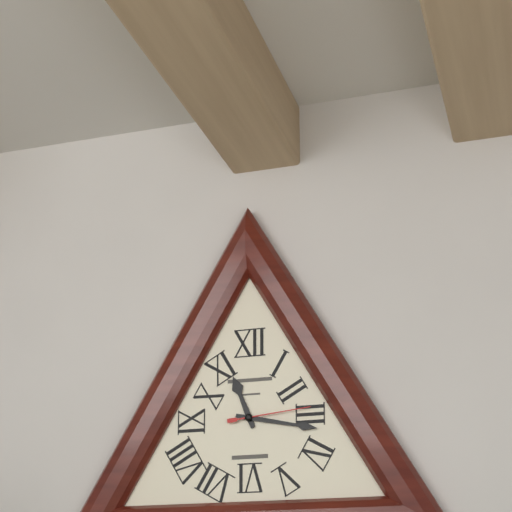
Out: 11,17,14
